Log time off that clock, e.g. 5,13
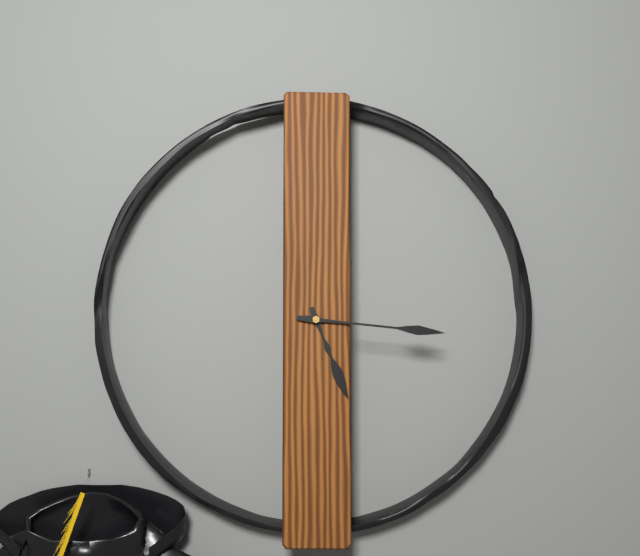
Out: 5,16
